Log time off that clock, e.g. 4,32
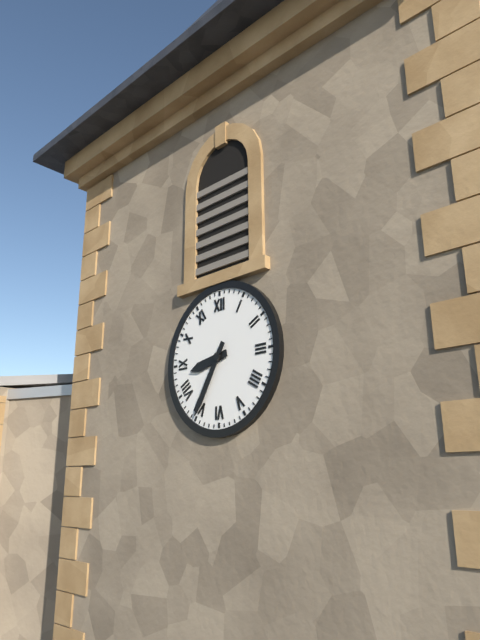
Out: 8,35
